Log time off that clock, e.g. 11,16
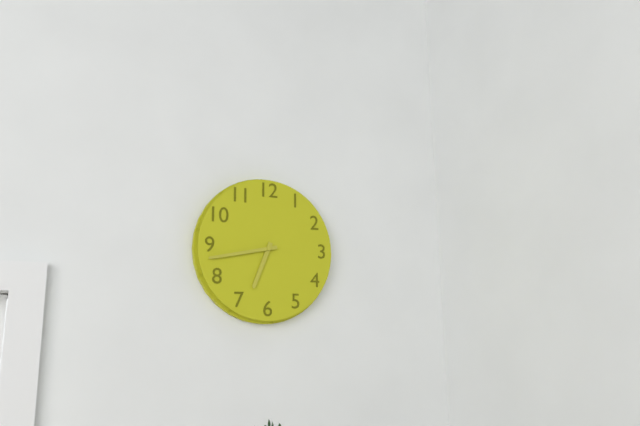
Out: 6,43
